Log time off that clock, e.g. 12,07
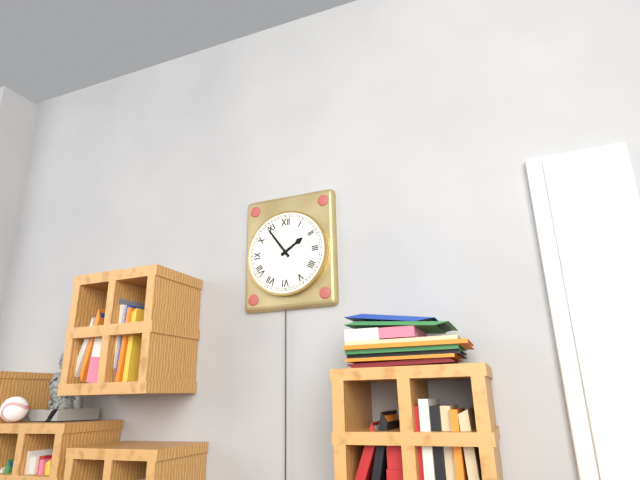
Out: 1,54
